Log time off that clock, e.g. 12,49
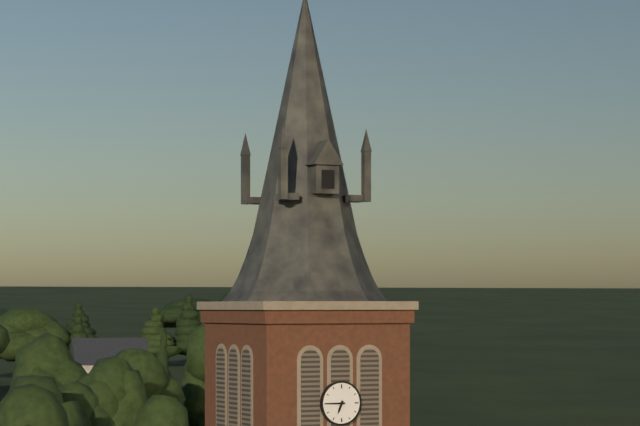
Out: 6,45
